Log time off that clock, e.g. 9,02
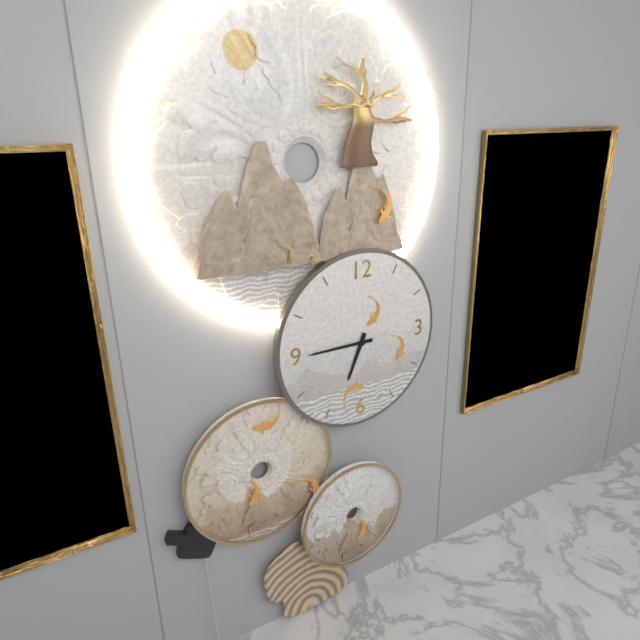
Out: 6,45
